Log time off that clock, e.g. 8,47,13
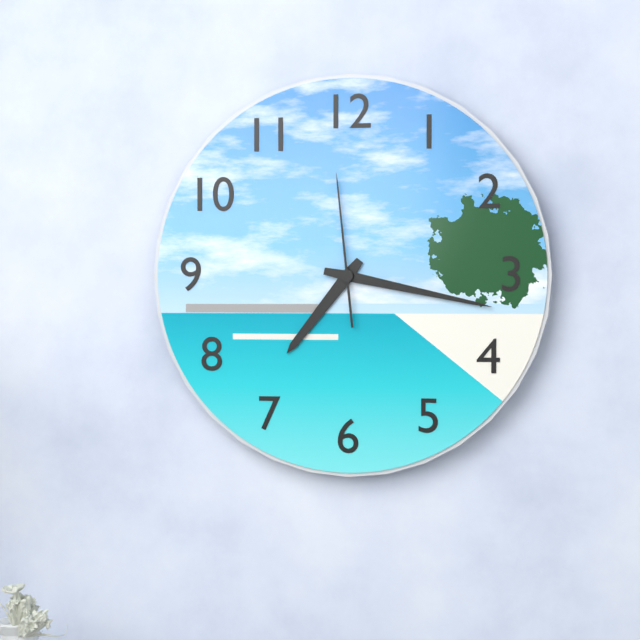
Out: 7,17,59
